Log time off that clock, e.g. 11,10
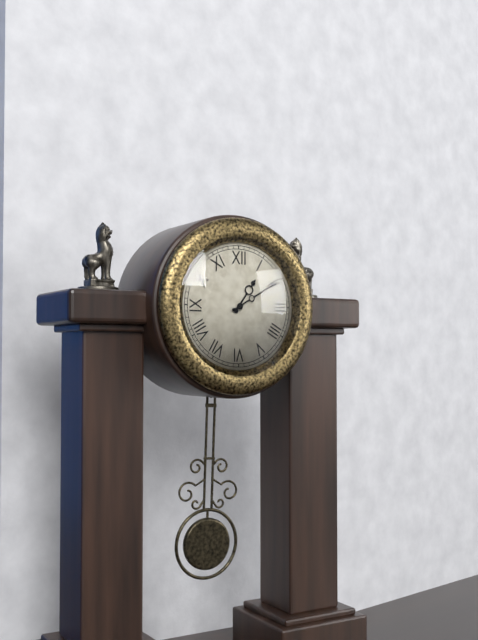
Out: 1,10
